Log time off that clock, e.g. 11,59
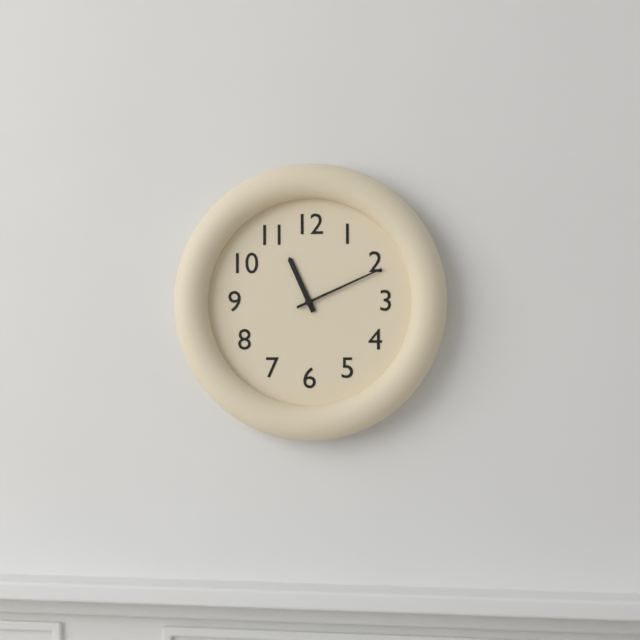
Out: 11,11
